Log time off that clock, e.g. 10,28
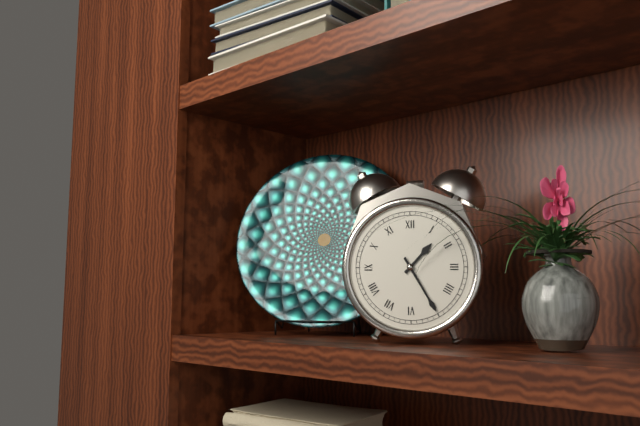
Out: 1,25
